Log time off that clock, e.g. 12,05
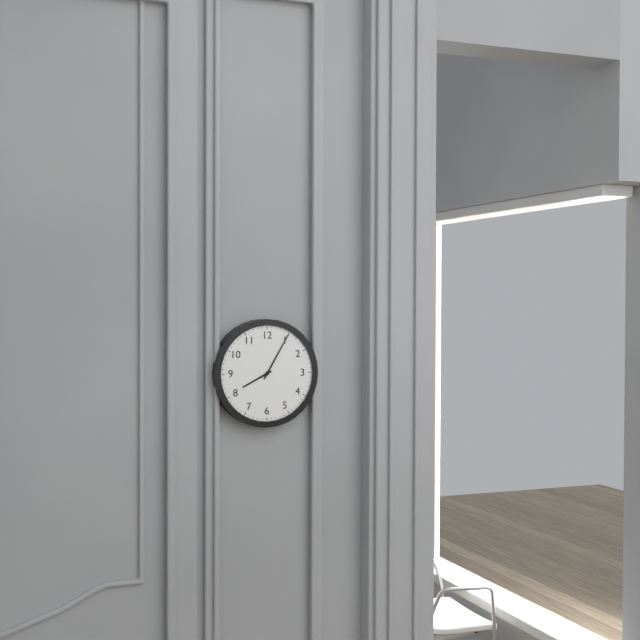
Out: 8,05
